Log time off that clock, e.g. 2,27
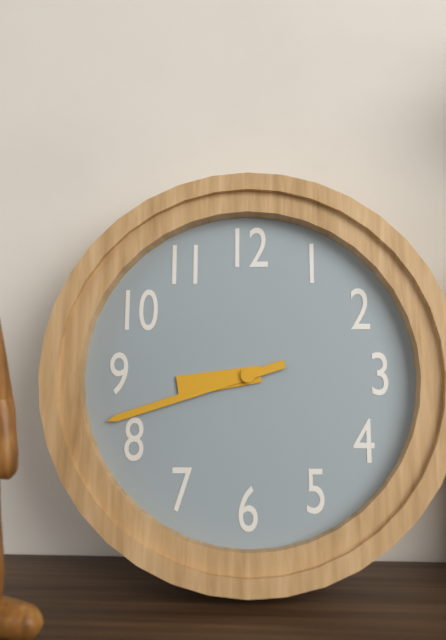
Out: 8,42
